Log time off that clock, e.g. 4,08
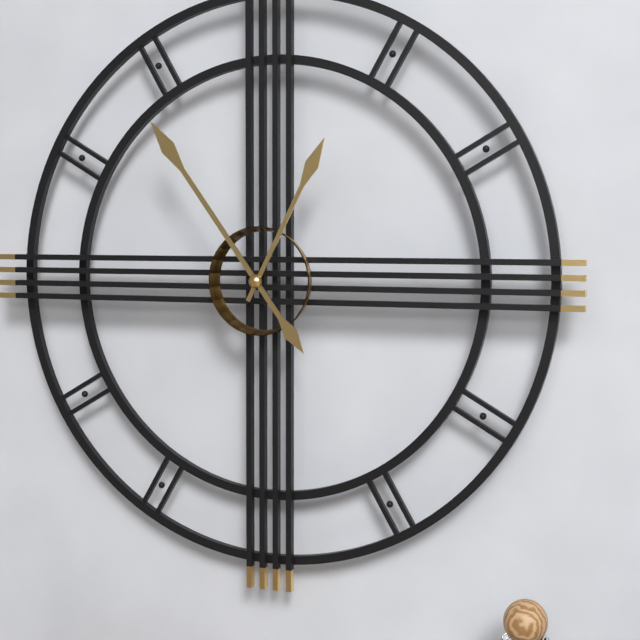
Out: 12,54
